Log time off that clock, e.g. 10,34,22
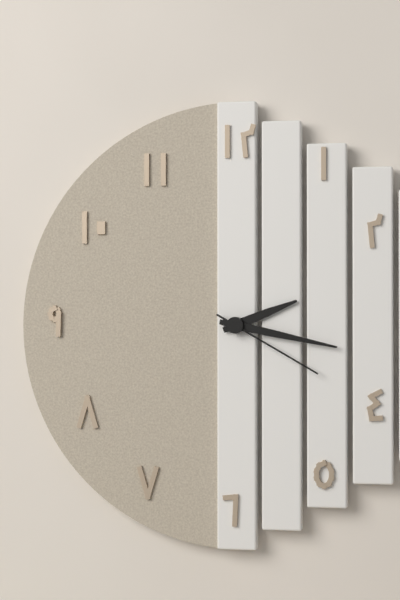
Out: 2,17,20
